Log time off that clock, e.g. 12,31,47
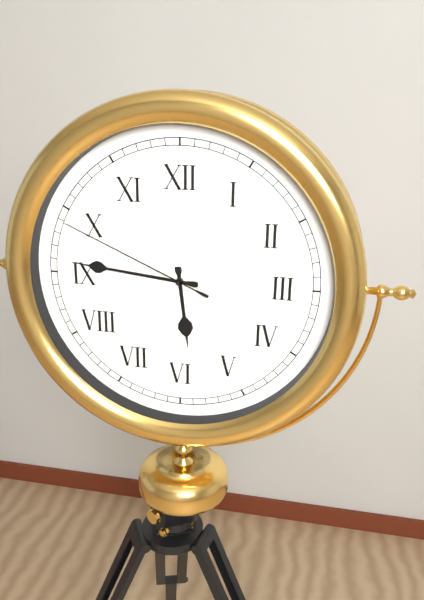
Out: 5,46,49
